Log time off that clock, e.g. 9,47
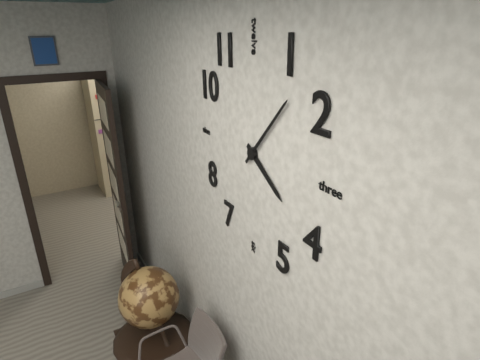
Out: 4,07
